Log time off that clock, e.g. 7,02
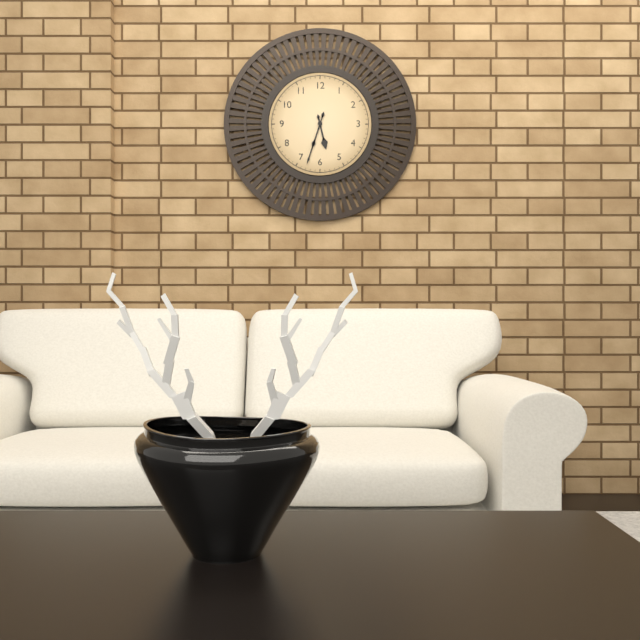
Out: 5,33
